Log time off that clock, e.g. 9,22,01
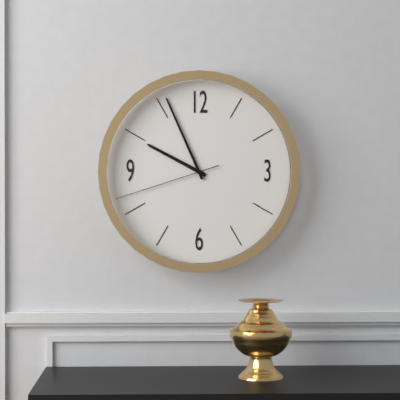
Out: 9,56,42
